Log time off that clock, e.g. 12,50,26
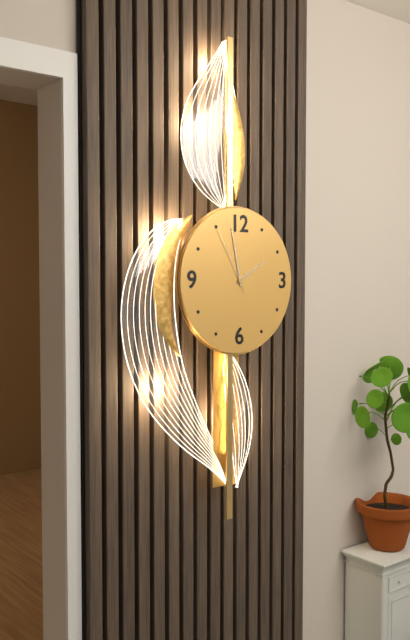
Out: 1,58,55
